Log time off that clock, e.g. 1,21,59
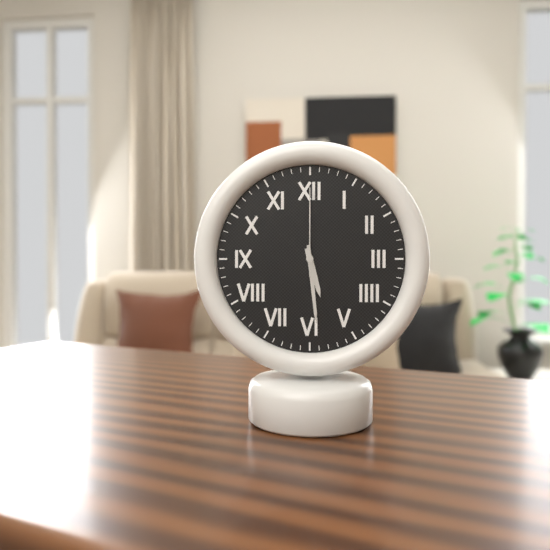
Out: 5,29,00
